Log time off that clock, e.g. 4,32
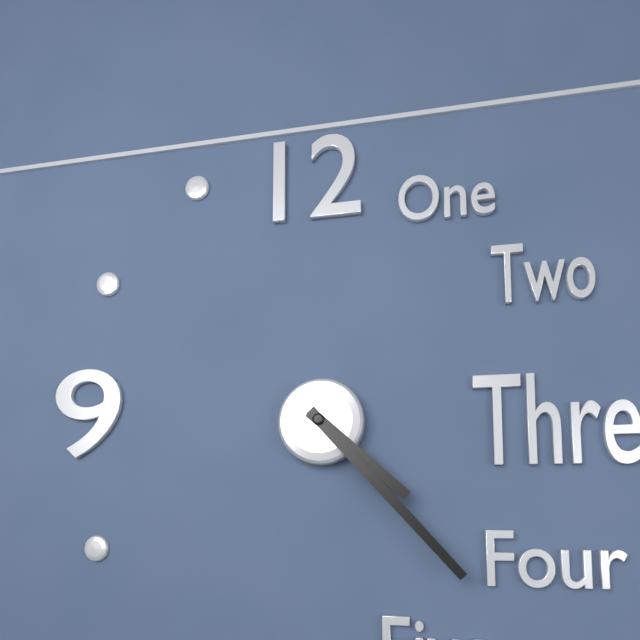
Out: 4,23
